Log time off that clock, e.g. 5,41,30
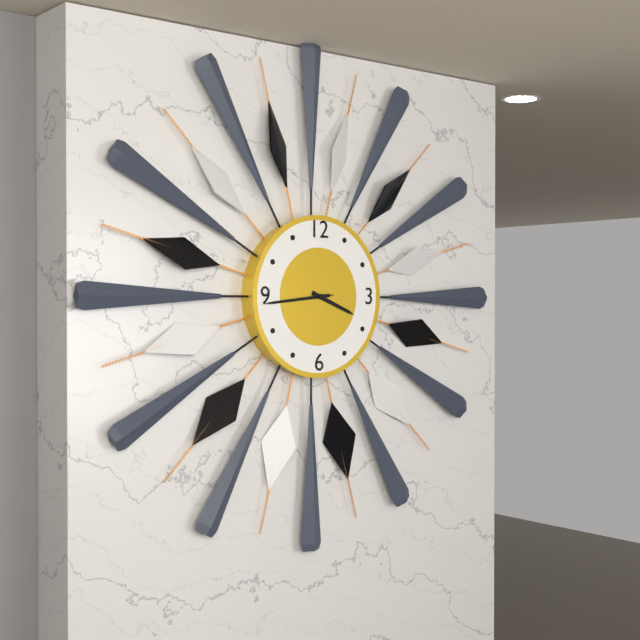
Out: 3,44,44
